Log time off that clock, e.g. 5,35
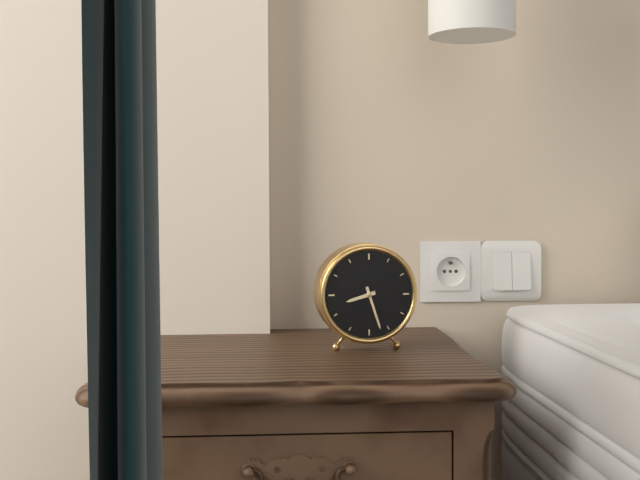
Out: 8,27
